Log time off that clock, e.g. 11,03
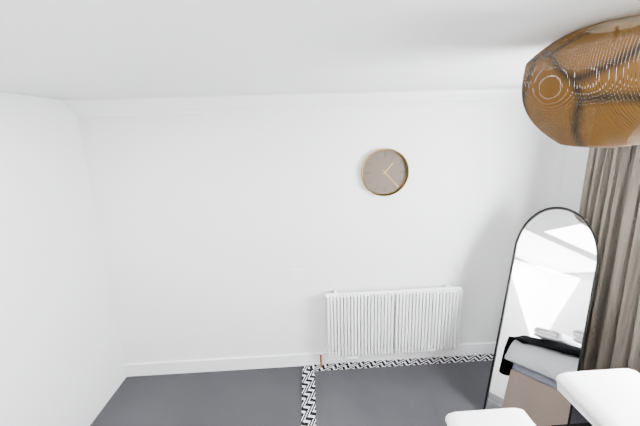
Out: 1,23
